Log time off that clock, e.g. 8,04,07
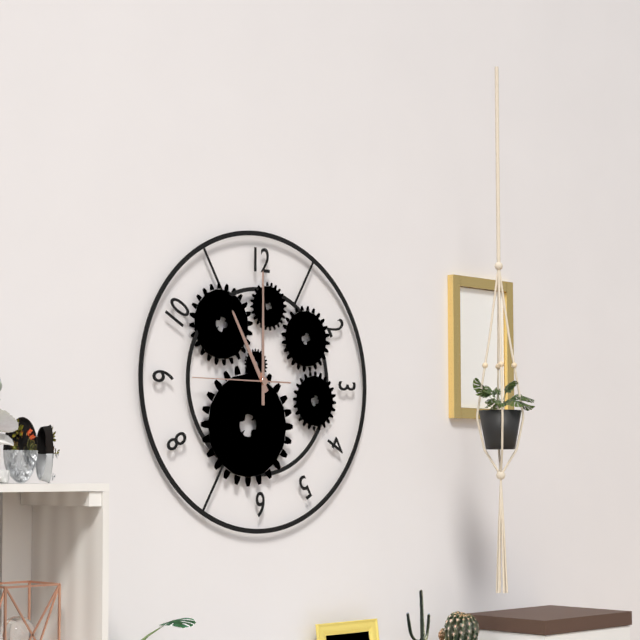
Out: 11,00,45
